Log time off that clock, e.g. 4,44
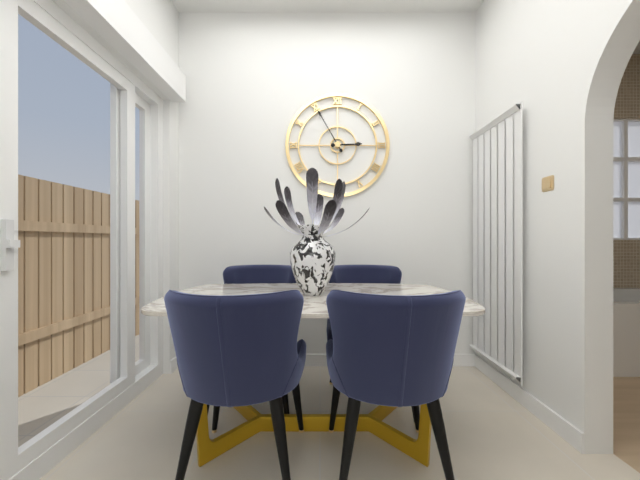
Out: 2,55
